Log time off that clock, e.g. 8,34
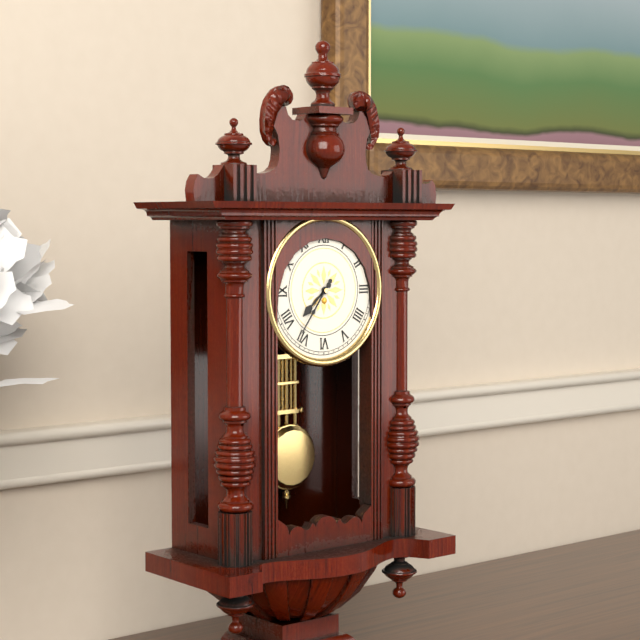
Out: 7,36
